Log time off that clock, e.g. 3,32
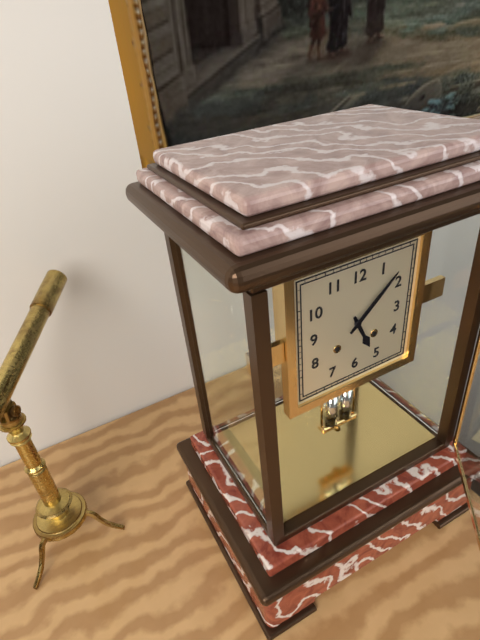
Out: 5,08
